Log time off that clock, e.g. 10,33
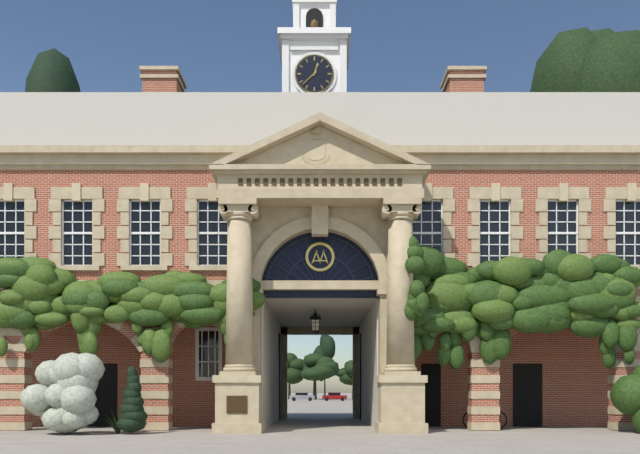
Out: 12,38
